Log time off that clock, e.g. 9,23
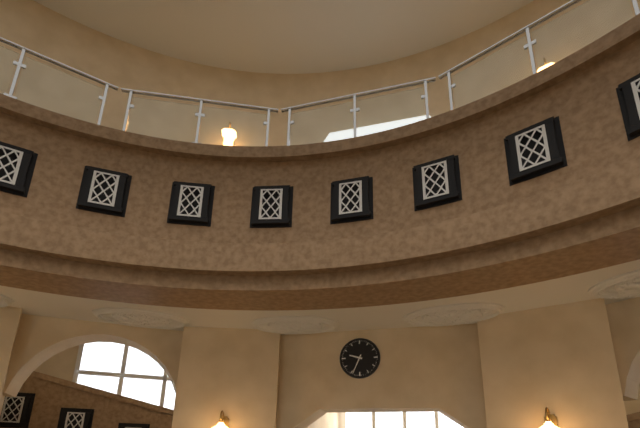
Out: 9,34
